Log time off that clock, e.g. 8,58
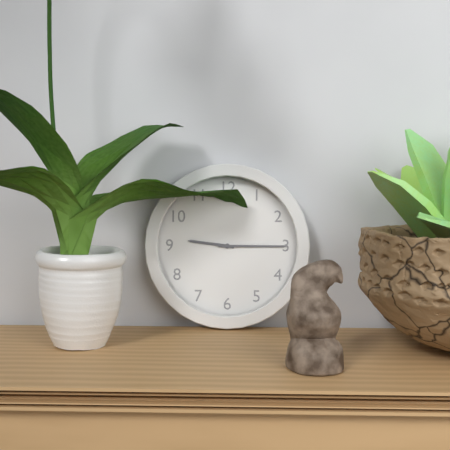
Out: 9,15
